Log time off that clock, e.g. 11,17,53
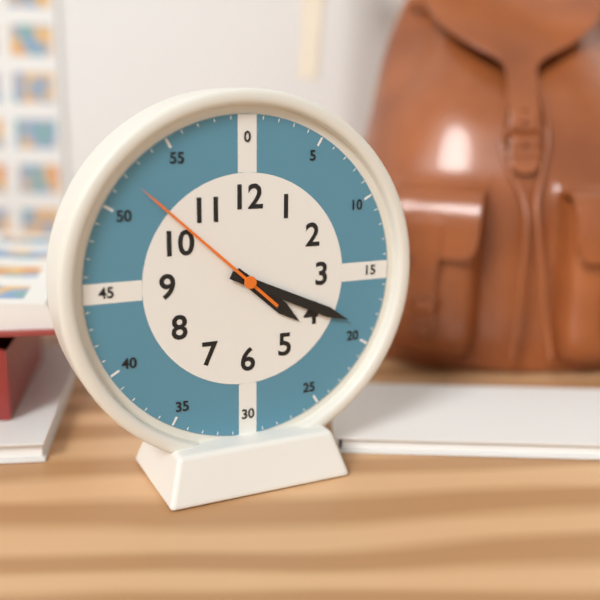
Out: 4,19,52
